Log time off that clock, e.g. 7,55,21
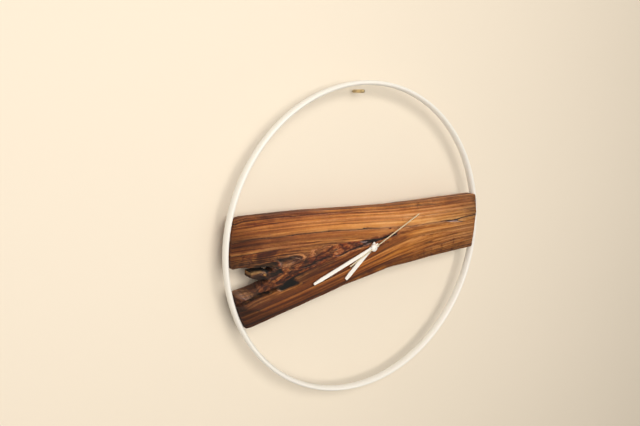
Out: 7,42,11
